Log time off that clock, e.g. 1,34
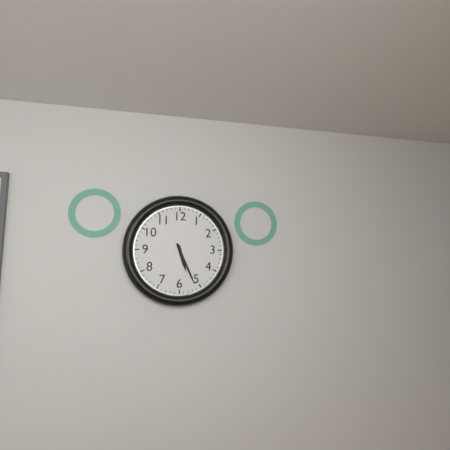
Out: 5,26
